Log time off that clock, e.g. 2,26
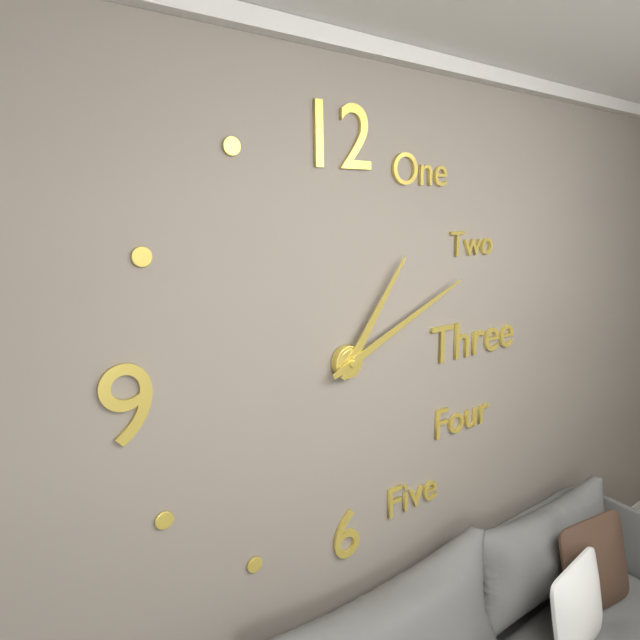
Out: 1,11
